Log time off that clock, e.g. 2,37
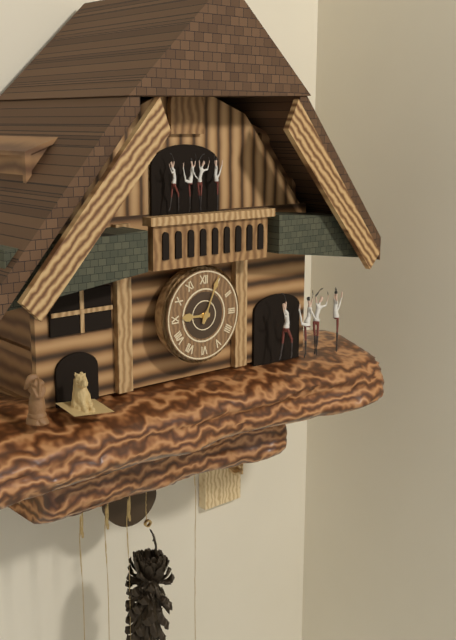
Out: 9,04
